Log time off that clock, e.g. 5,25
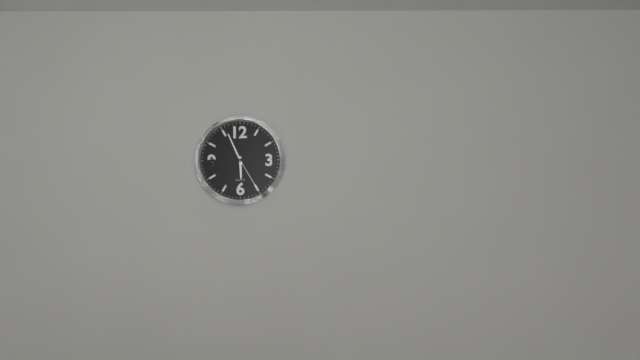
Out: 5,56
